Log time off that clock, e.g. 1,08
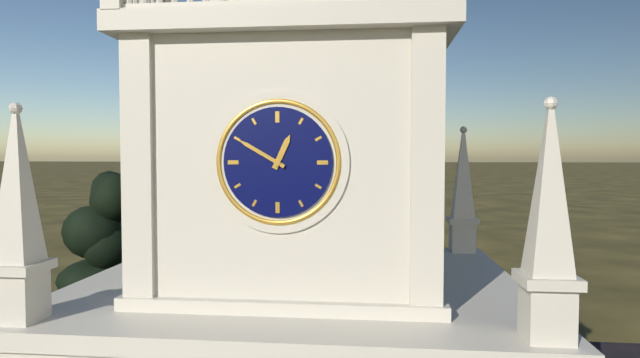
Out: 12,50
